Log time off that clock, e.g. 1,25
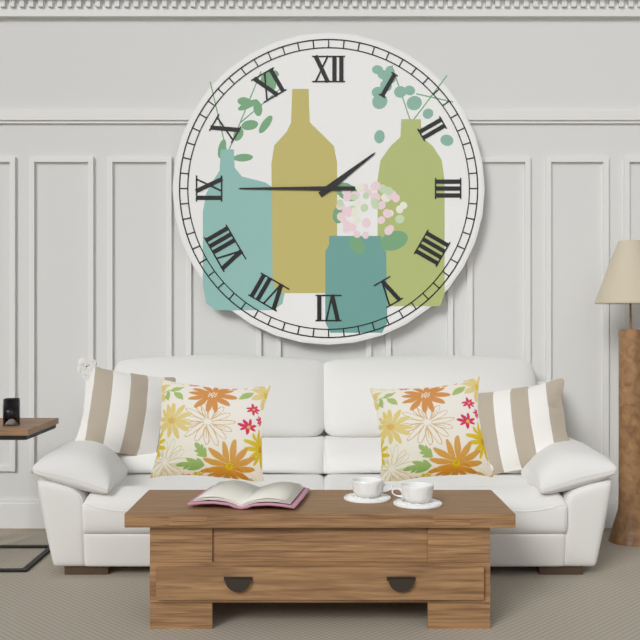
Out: 1,45
